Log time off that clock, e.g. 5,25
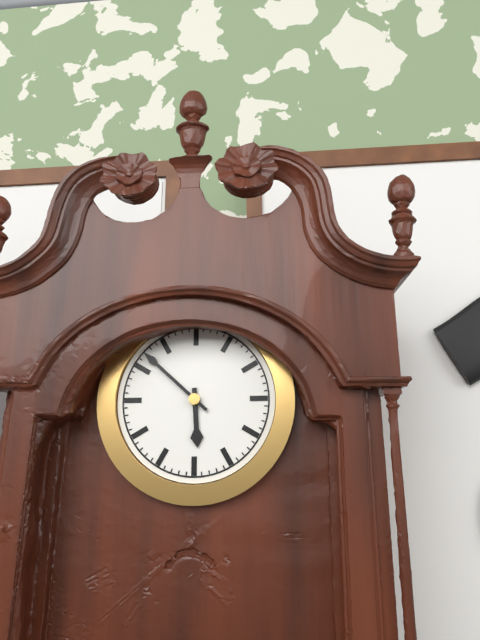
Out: 5,52
